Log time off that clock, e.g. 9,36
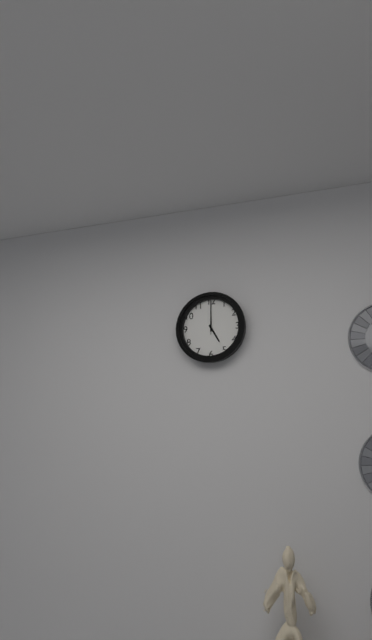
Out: 5,00
